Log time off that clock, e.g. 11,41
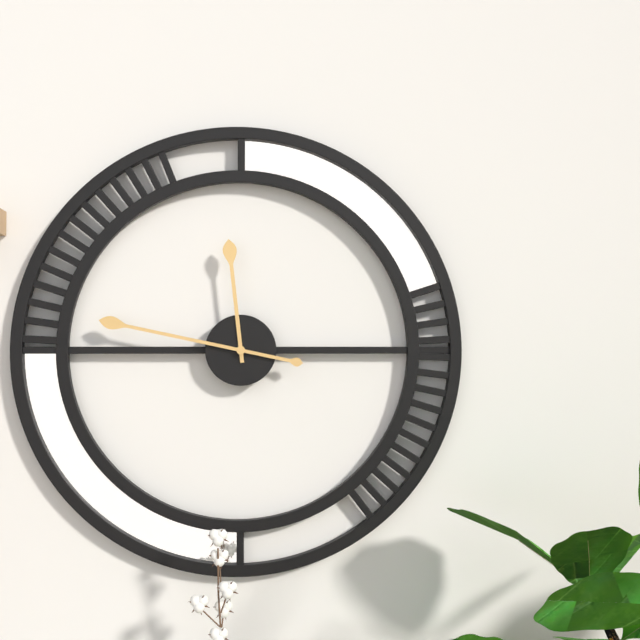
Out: 11,47
